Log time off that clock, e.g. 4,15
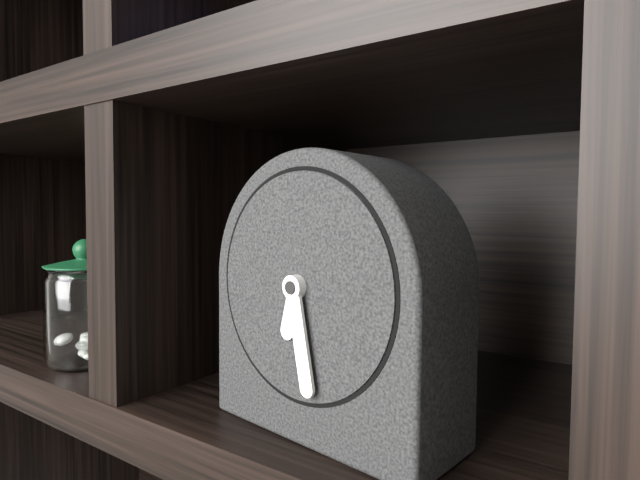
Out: 6,28
